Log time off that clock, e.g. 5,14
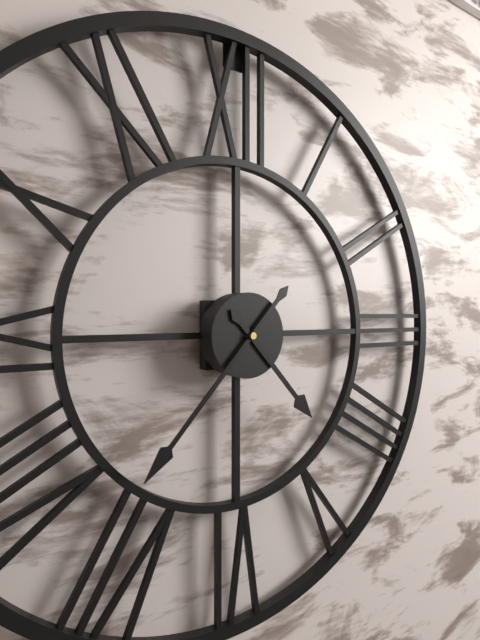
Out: 4,37
